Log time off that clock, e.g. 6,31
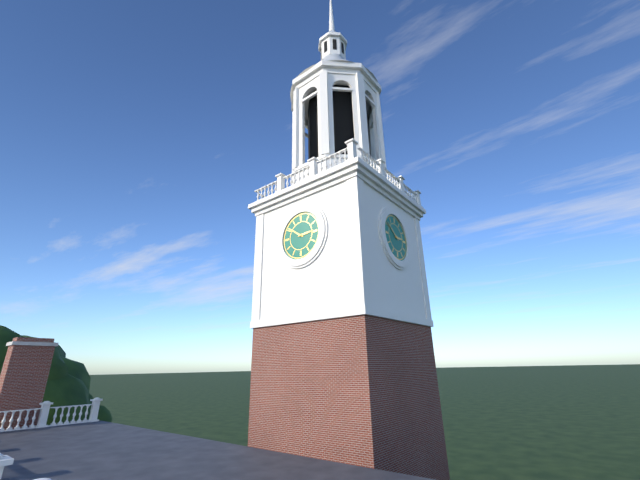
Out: 2,51
